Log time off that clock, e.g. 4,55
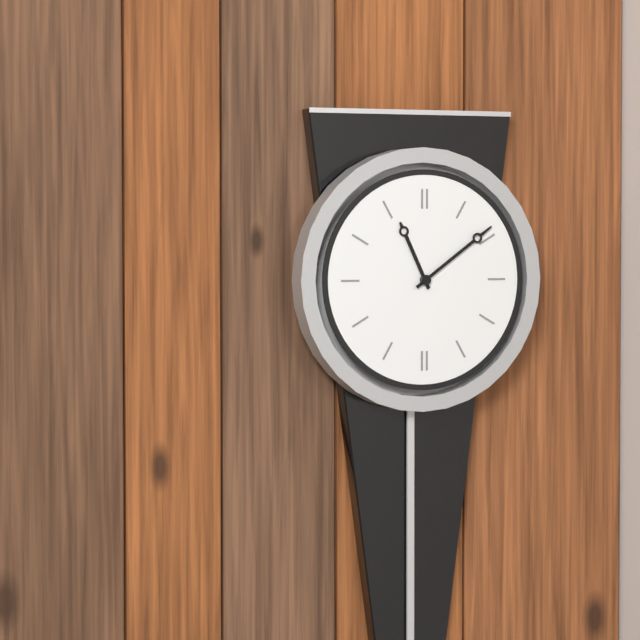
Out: 11,09
